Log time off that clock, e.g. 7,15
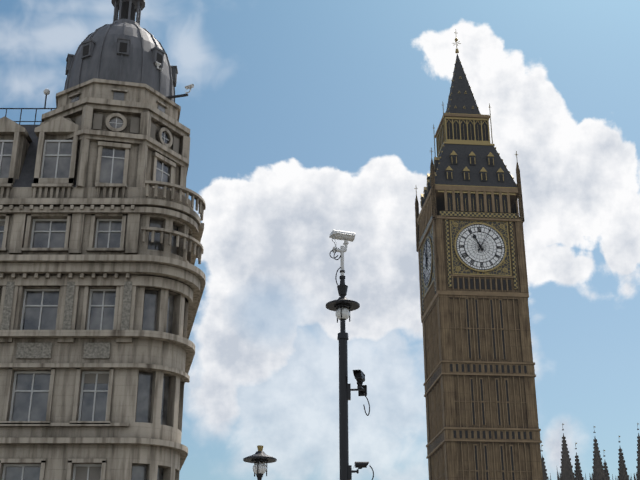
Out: 11,05
